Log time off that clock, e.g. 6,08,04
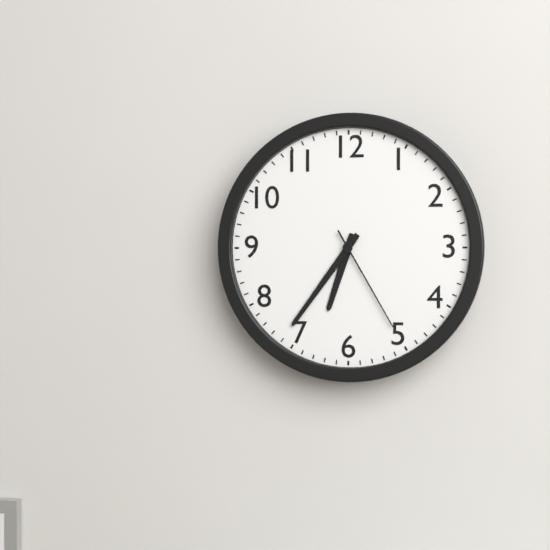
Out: 6,36,25
